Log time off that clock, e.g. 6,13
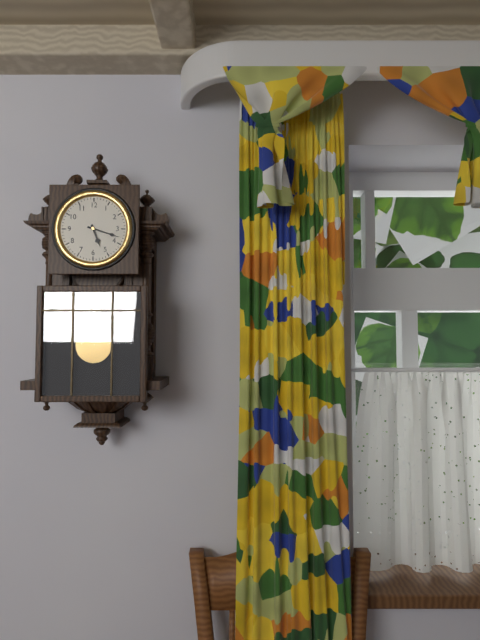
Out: 5,18
